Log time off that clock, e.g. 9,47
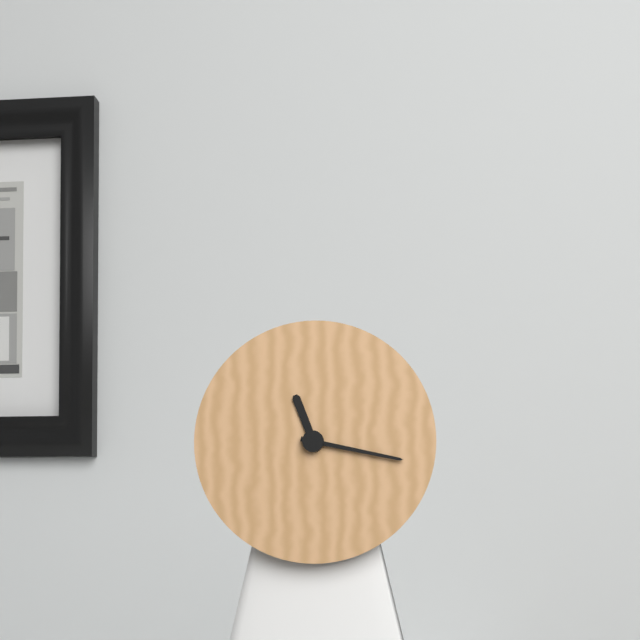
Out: 11,17
